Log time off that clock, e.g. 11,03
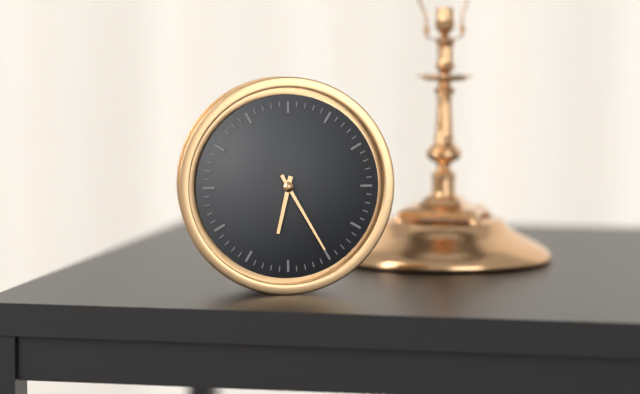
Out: 6,25
